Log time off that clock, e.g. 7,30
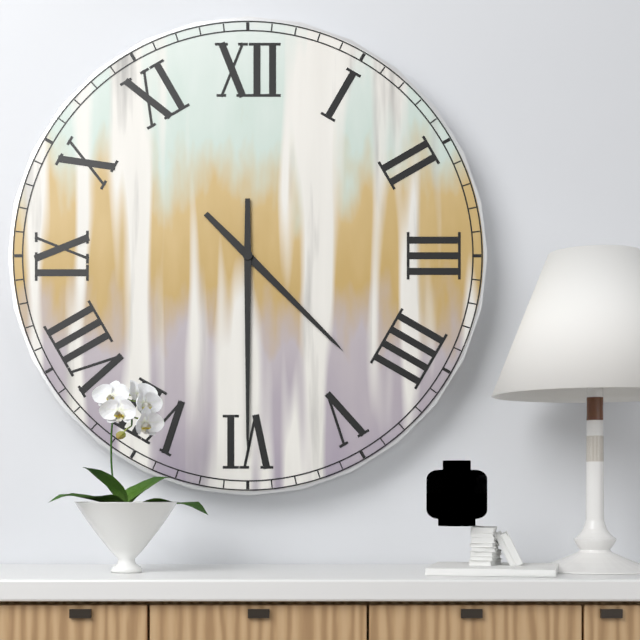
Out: 4,30
